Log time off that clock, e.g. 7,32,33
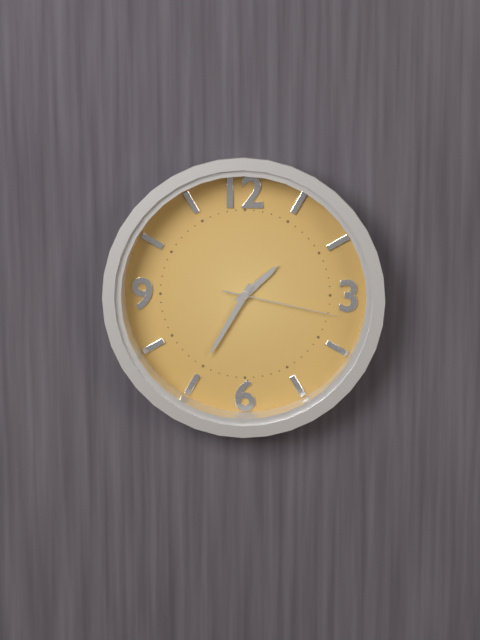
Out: 1,35,17
